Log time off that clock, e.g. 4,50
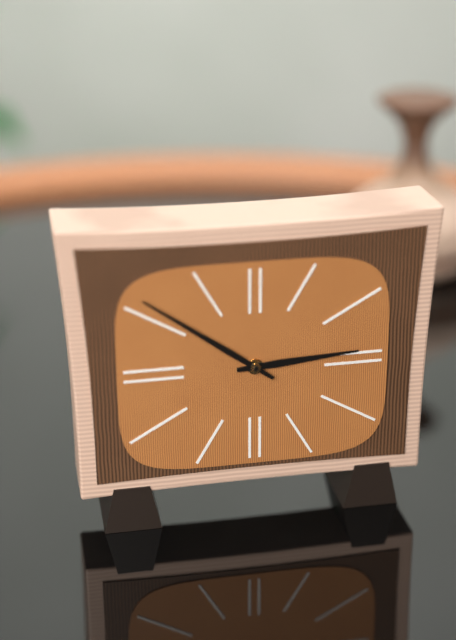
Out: 2,51
